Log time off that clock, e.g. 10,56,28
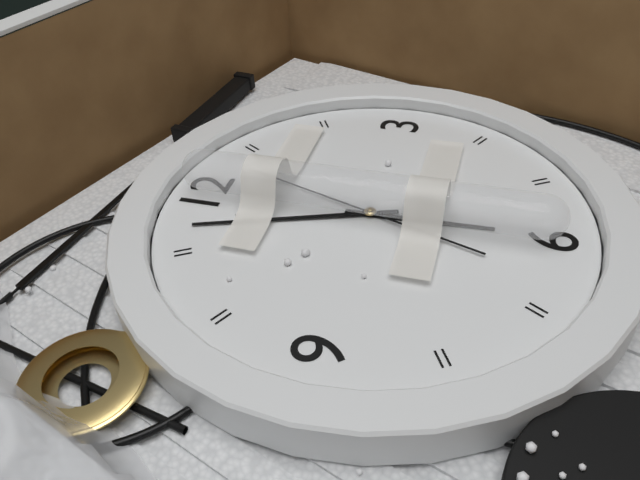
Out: 5,57,03
